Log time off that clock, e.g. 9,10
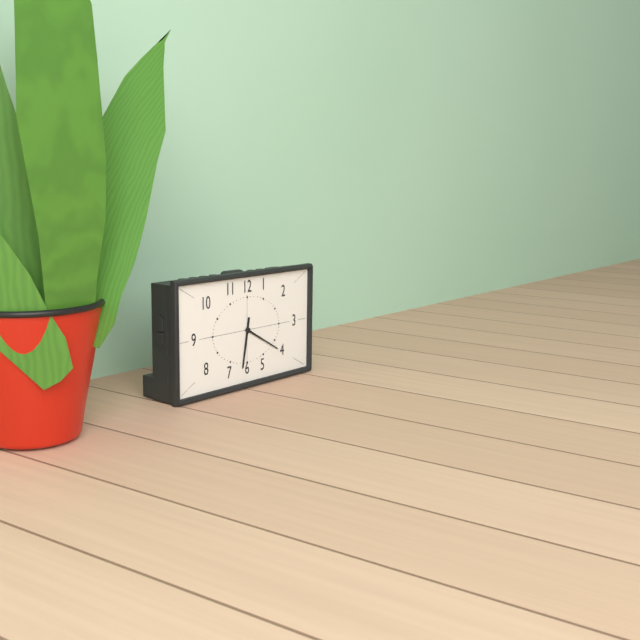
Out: 6,20
